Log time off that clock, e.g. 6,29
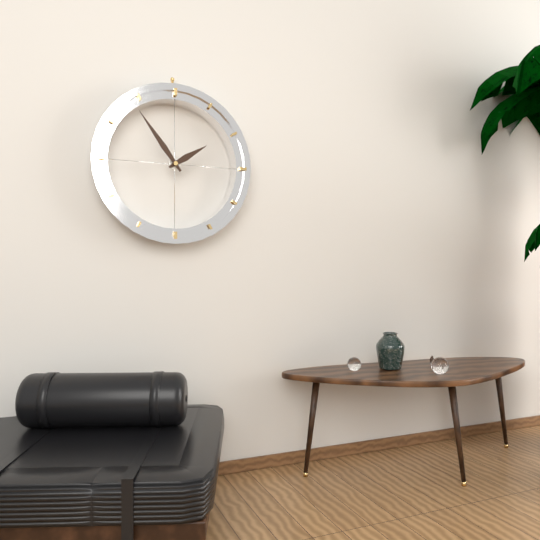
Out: 1,54
